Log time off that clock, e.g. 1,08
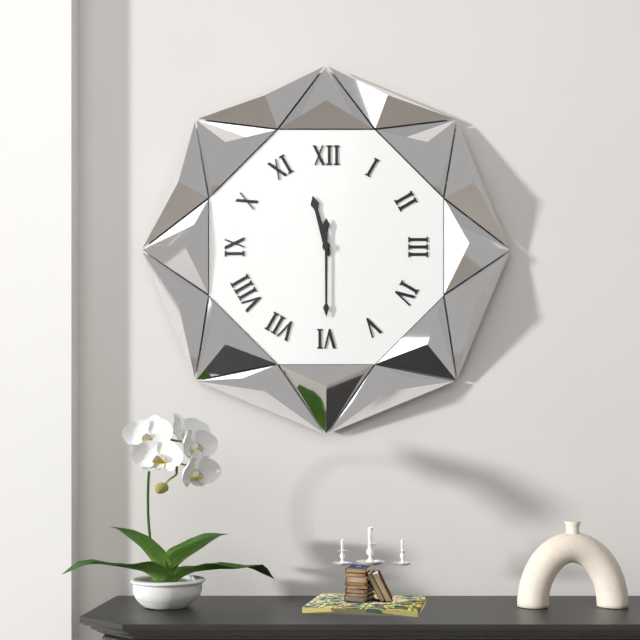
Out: 11,30
